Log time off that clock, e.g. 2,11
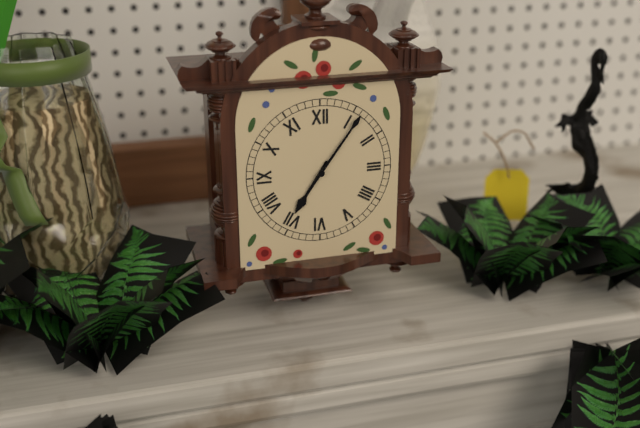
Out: 7,06
